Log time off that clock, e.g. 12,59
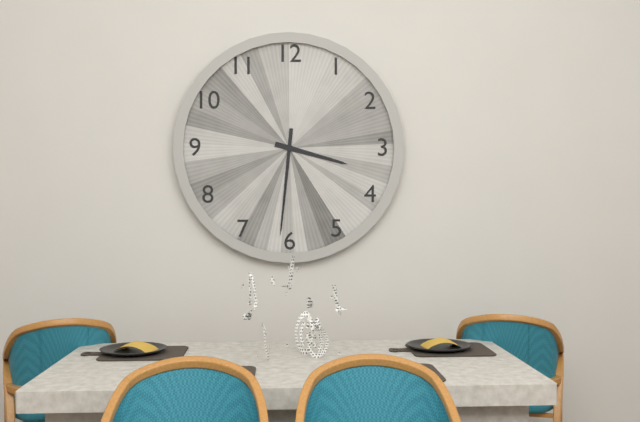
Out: 3,31
